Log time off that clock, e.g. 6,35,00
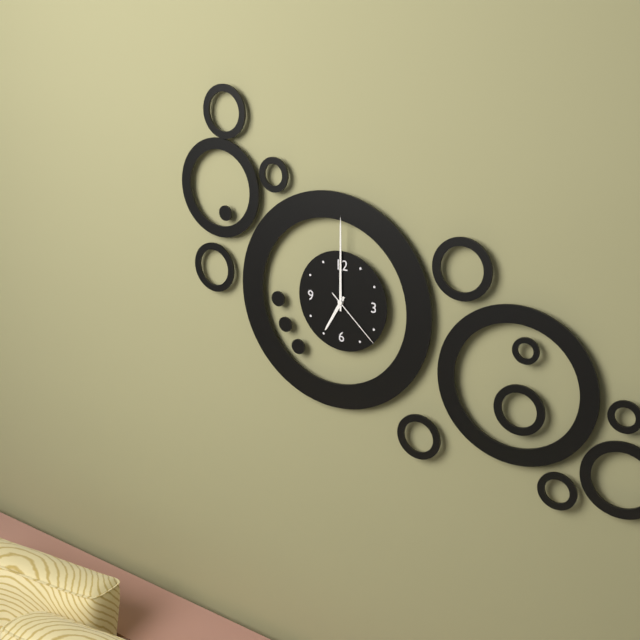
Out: 7,00,22
